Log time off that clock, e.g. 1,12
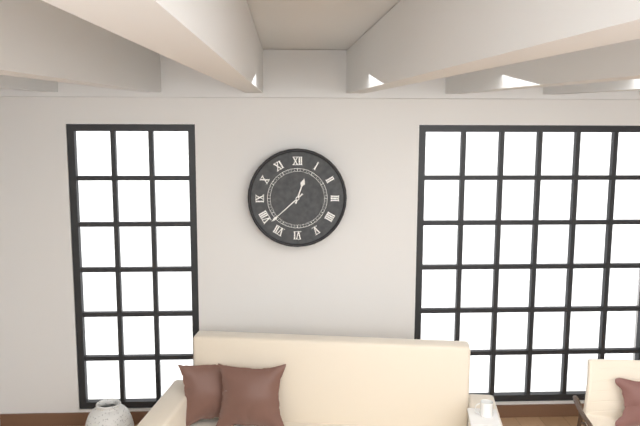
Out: 12,38
